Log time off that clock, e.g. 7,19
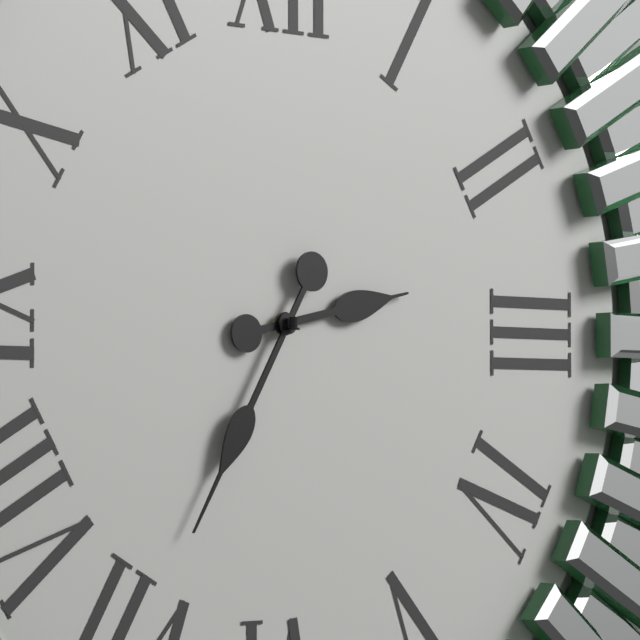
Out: 2,35
